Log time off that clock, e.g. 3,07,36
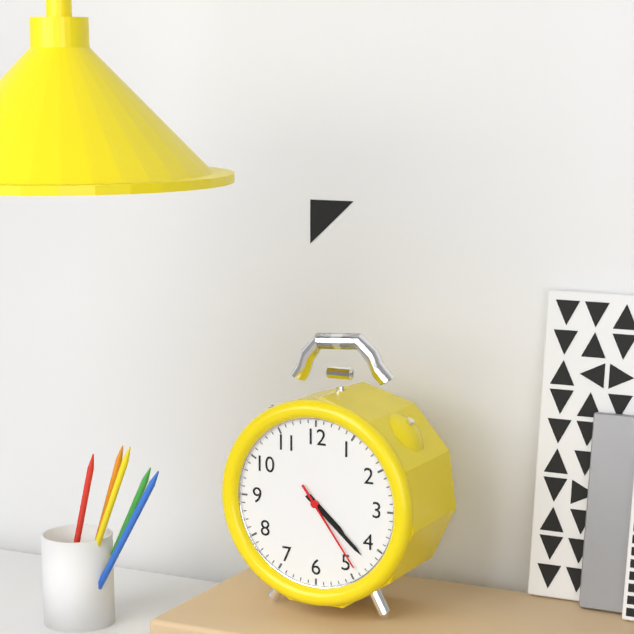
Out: 4,22,24
